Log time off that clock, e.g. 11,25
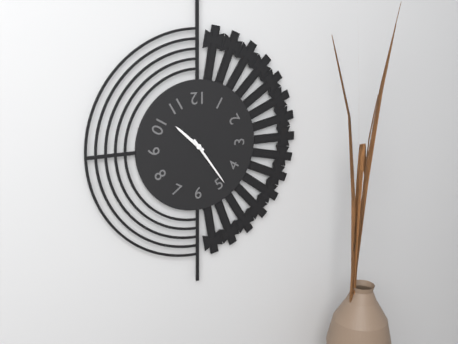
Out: 10,24
